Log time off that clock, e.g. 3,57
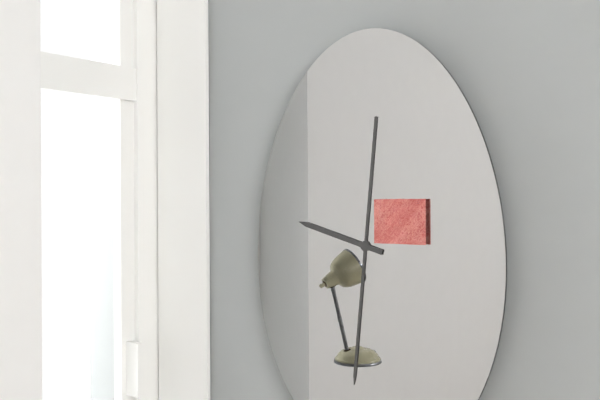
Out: 9,31
